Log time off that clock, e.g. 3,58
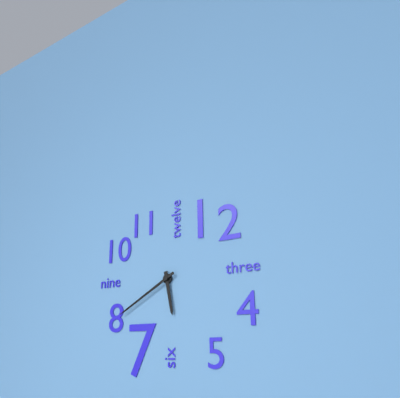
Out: 5,40
